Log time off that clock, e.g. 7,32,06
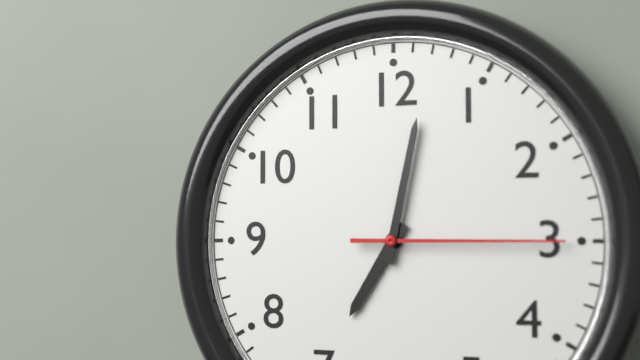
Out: 7,02,15
